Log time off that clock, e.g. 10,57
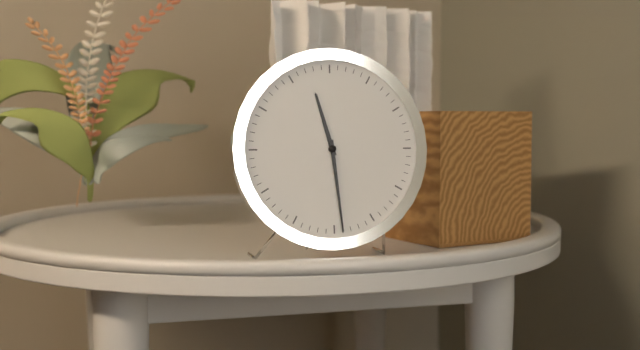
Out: 11,29
